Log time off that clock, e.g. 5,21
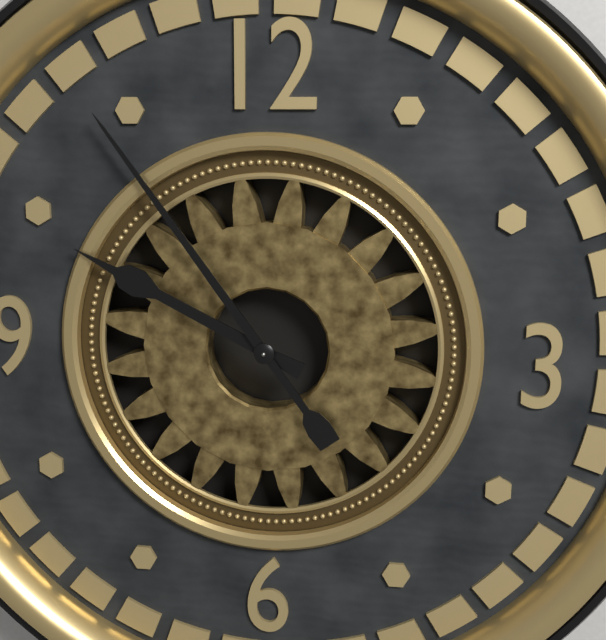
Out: 9,54
